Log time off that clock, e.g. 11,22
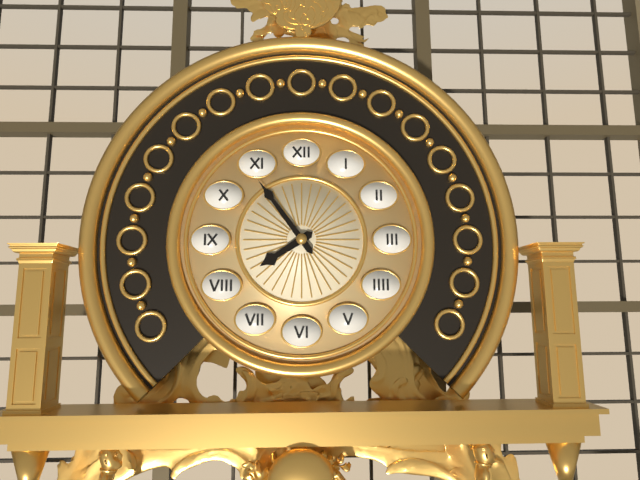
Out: 7,54
